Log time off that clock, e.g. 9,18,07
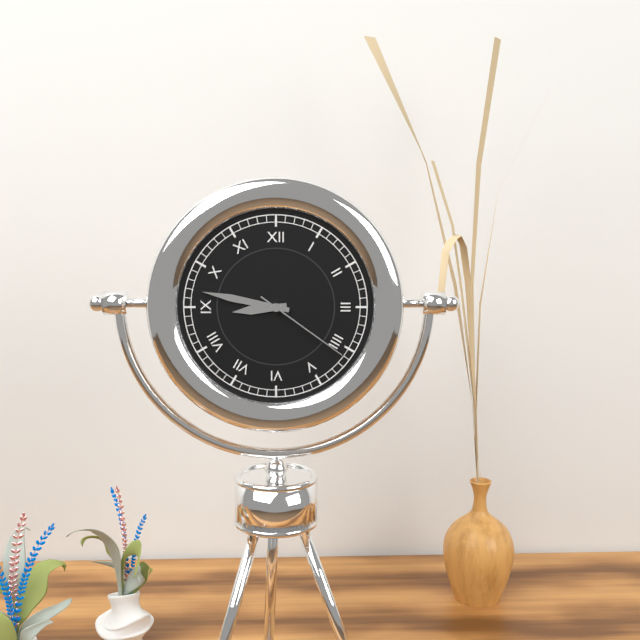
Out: 8,47,21
